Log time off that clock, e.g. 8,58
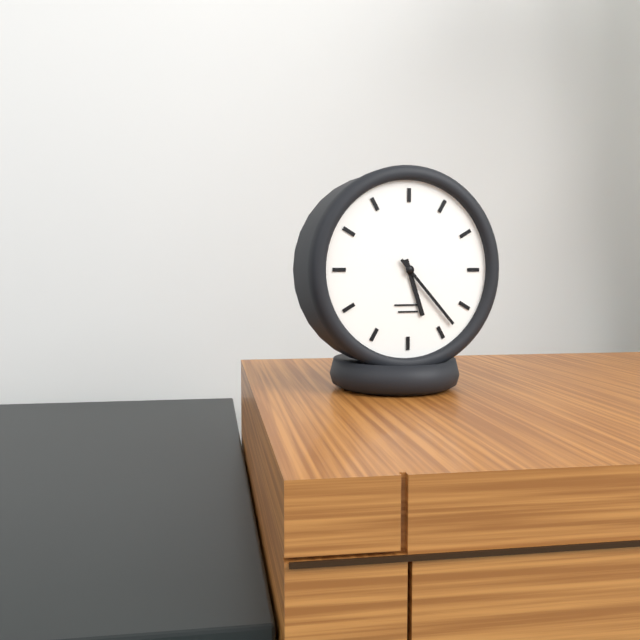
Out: 5,23
